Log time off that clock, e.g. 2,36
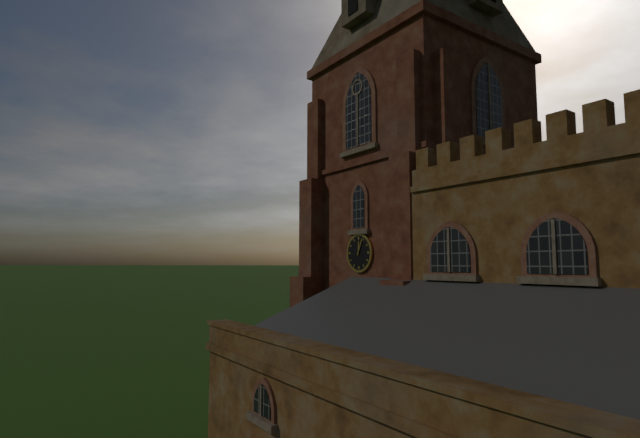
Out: 12,04
